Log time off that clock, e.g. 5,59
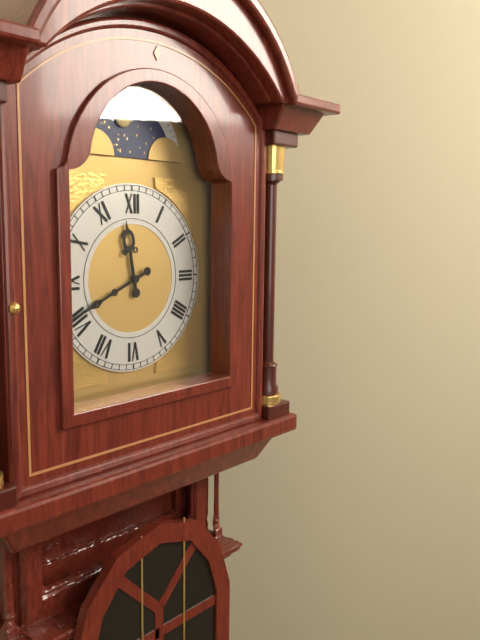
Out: 11,41
